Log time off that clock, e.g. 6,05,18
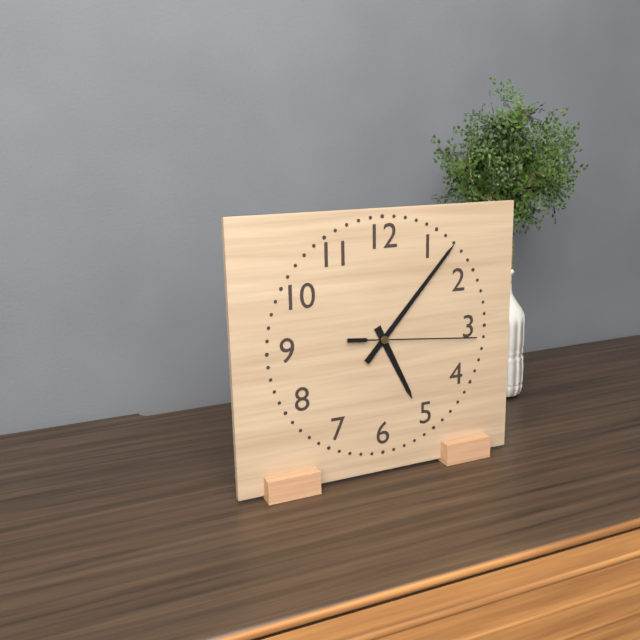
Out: 5,07,16
